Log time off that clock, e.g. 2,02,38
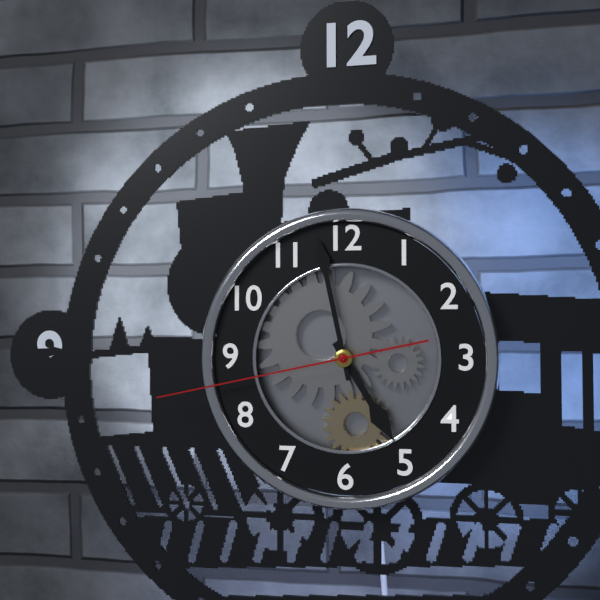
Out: 4,58,43
